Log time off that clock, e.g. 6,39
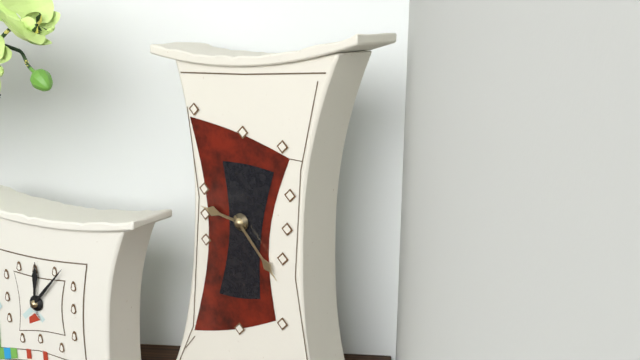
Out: 9,23
